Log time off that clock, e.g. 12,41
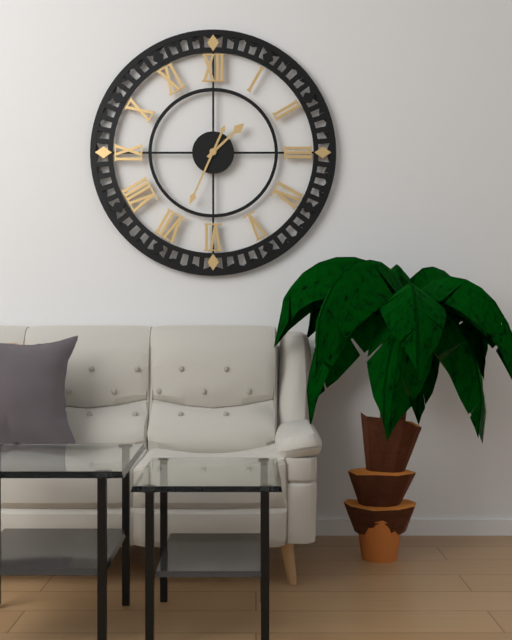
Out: 1,34
